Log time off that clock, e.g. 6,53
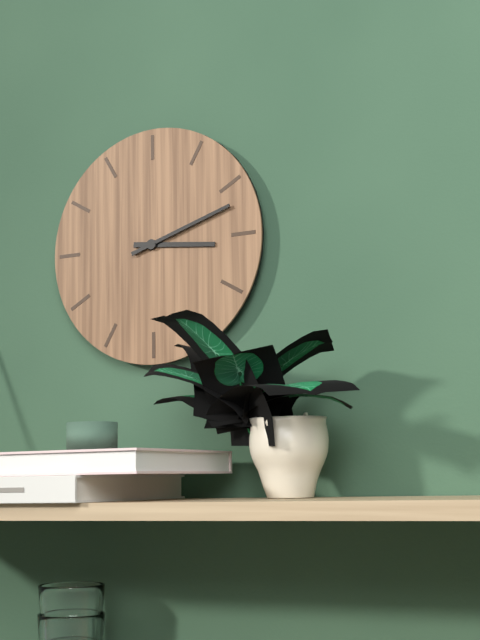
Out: 3,12
